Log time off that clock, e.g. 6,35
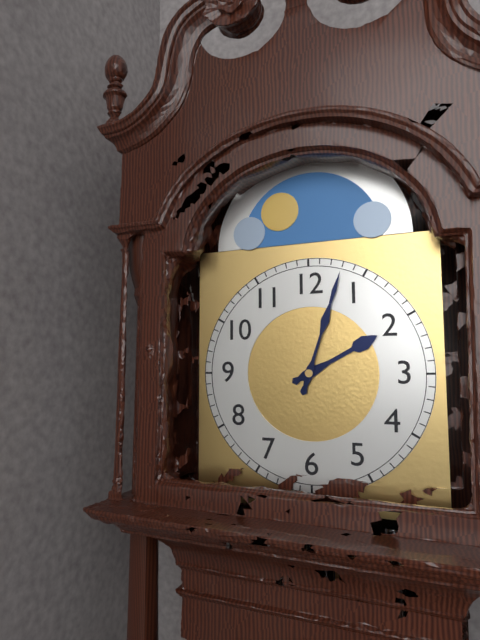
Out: 2,03
